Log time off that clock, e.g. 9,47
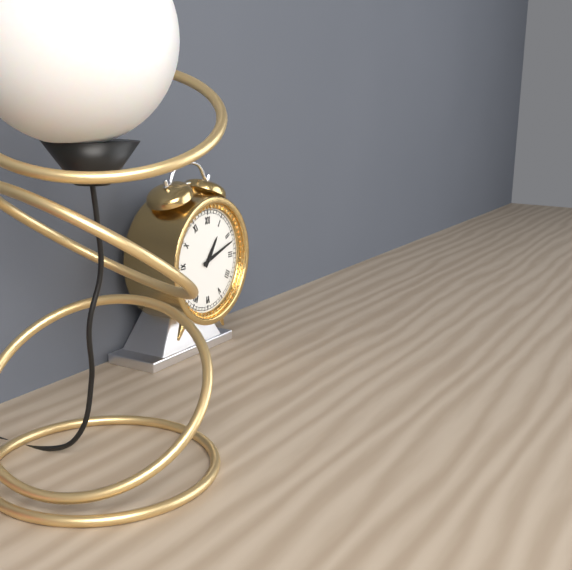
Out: 1,12
